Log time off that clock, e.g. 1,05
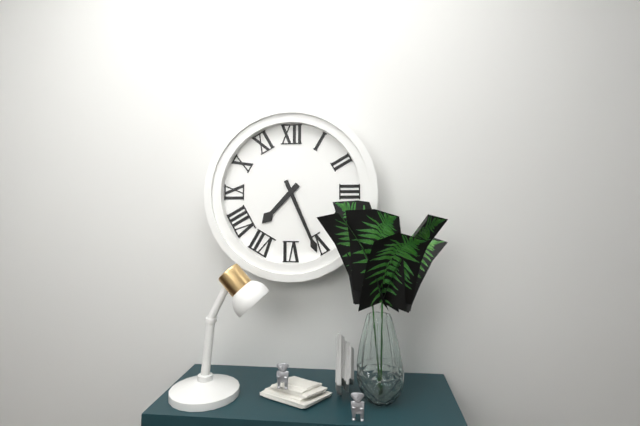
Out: 7,26
